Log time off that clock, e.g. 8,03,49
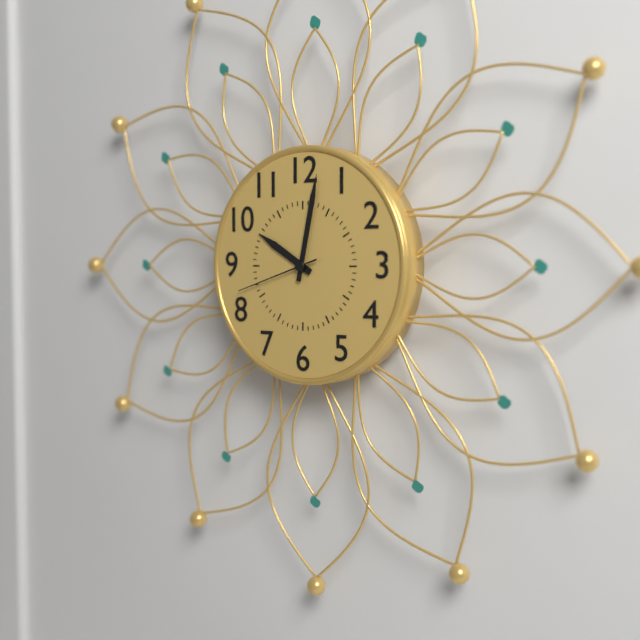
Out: 10,02,42
